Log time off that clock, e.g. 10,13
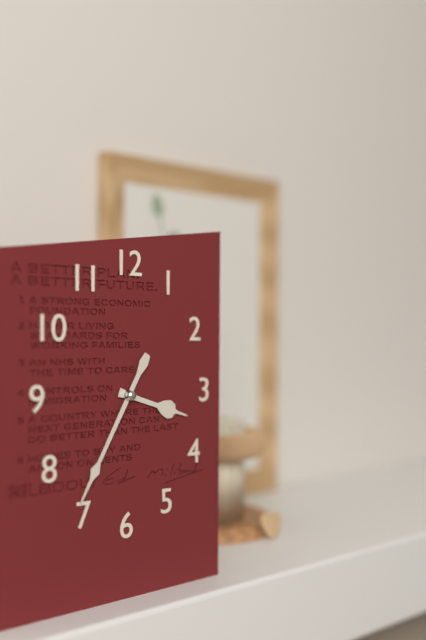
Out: 3,35
